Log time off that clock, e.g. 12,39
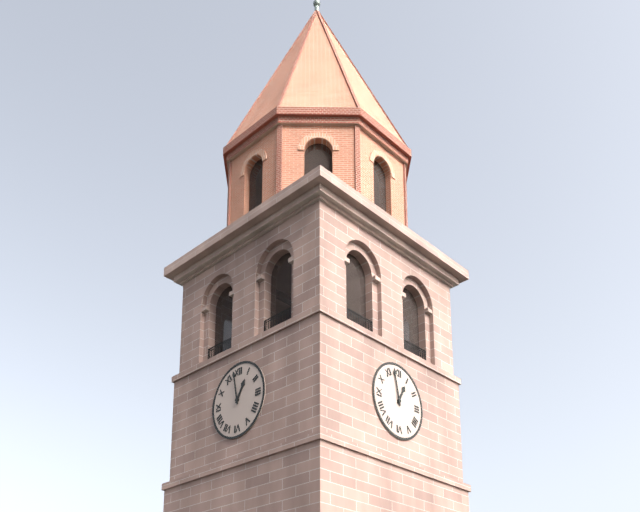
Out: 12,58
